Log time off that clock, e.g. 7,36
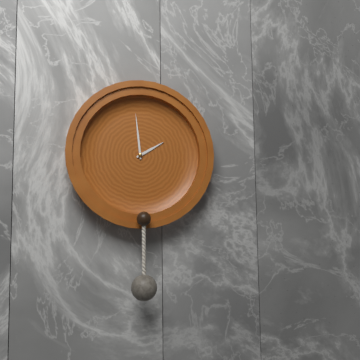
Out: 1,59
